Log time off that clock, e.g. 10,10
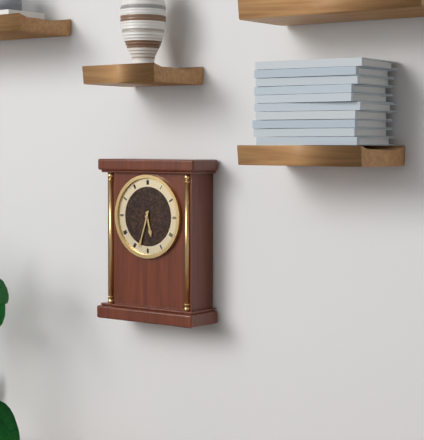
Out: 5,33
